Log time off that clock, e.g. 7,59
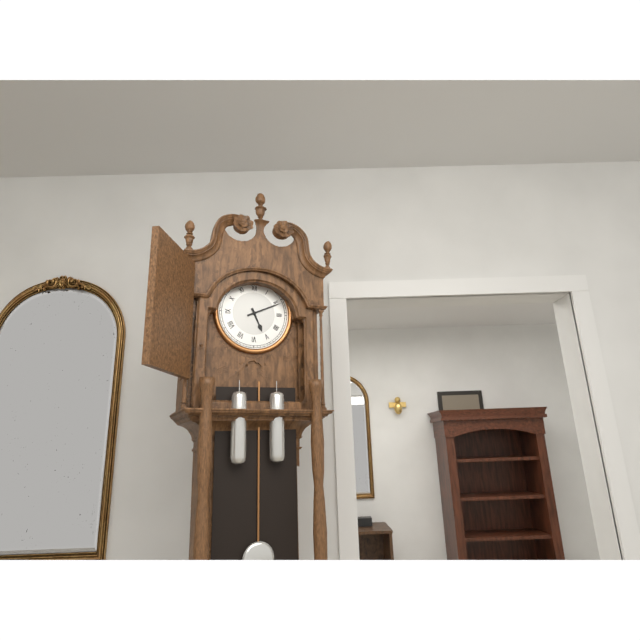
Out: 5,11
